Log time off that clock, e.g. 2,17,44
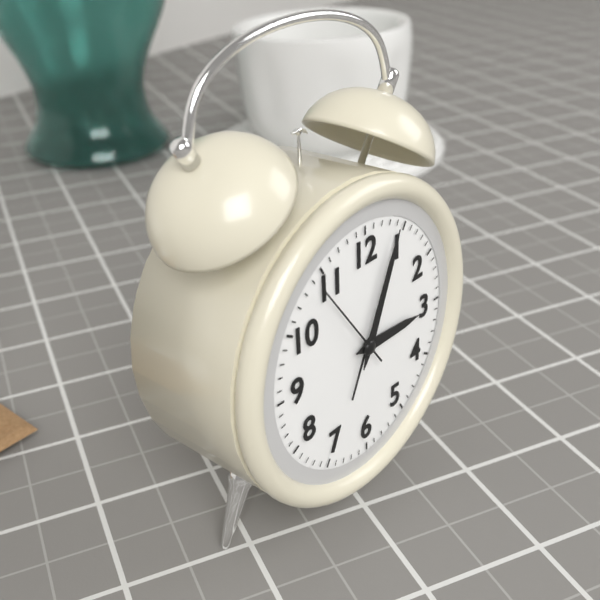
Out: 3,04,54
